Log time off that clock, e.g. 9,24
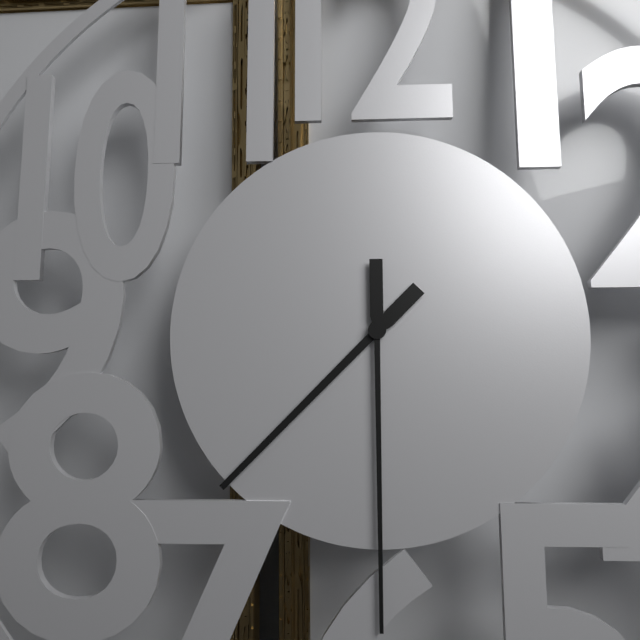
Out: 7,30
